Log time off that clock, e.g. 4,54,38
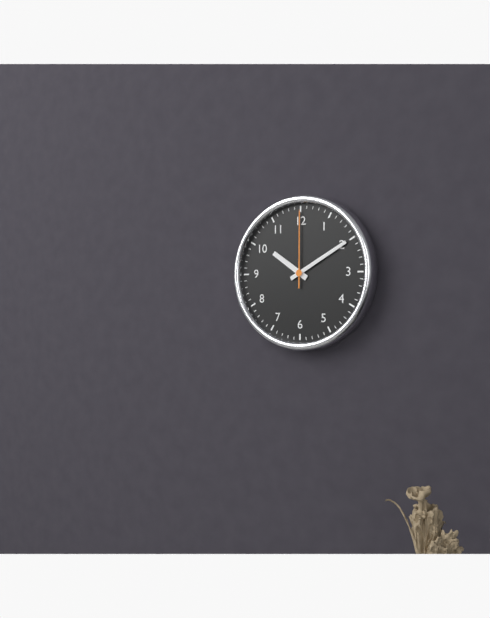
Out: 10,10,00
